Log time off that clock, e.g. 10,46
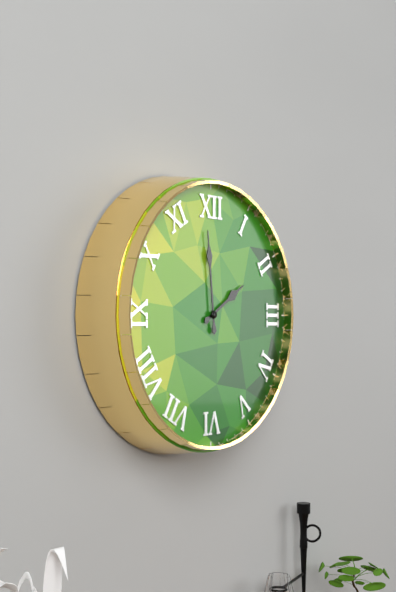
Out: 1,59
